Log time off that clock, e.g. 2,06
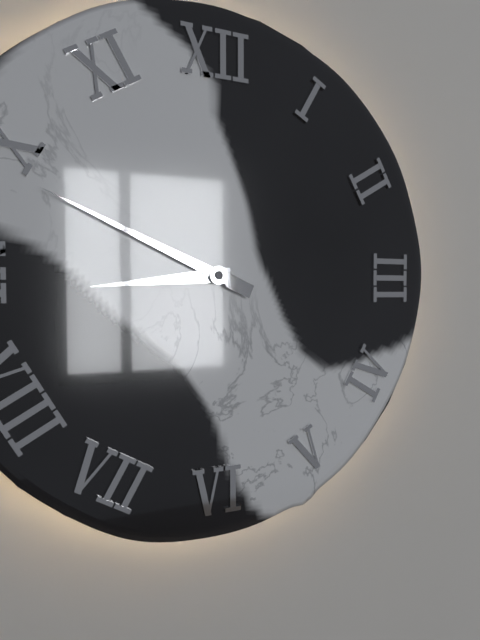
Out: 8,49
